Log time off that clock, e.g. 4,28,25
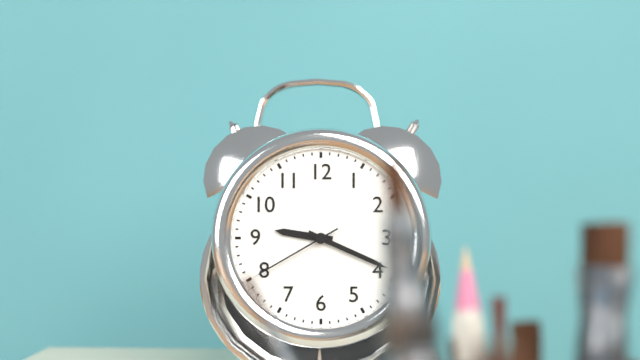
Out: 9,19,40
